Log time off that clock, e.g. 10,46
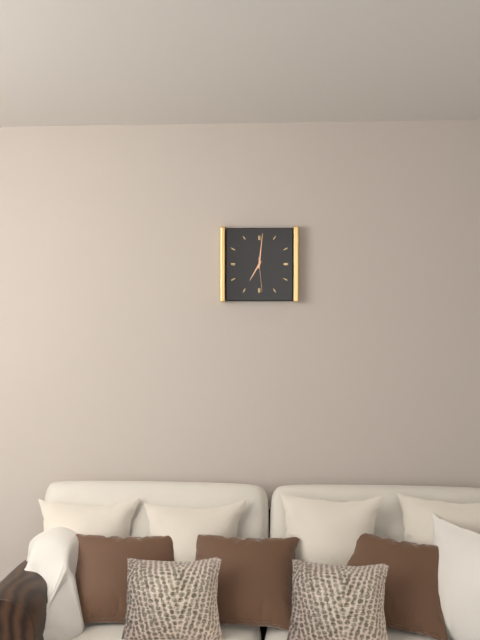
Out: 7,01
